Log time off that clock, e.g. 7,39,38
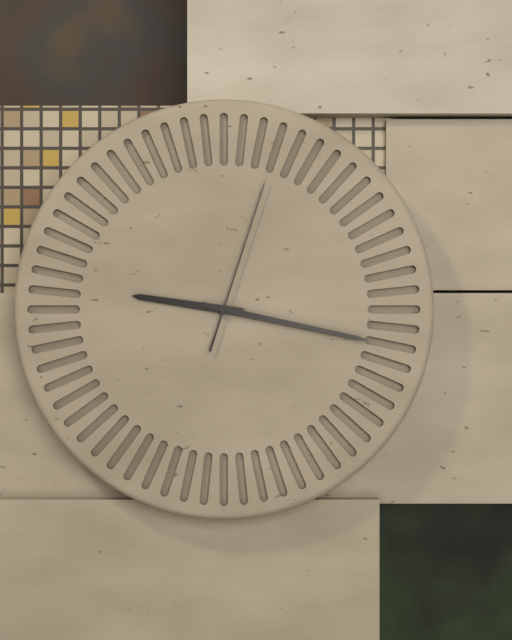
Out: 9,17,03
